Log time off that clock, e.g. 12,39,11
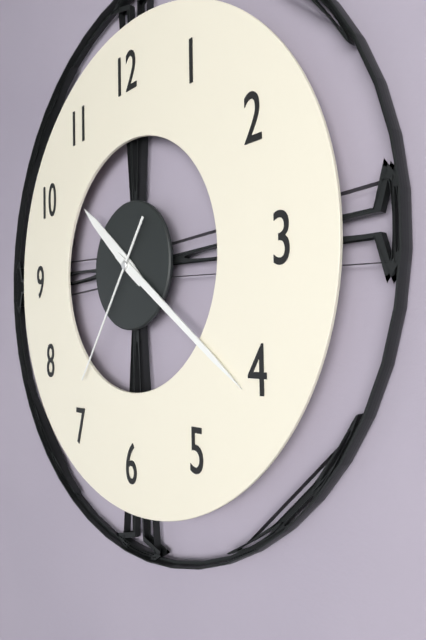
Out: 10,21,36
